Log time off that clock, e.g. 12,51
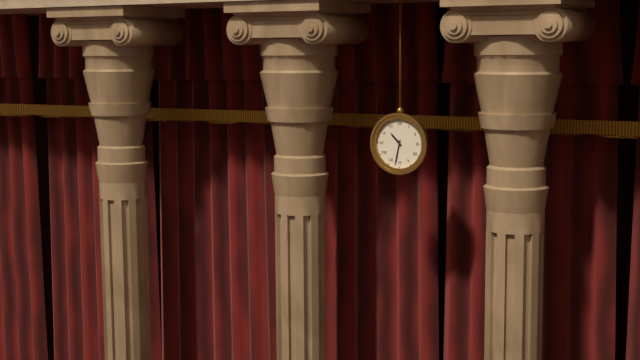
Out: 10,32
